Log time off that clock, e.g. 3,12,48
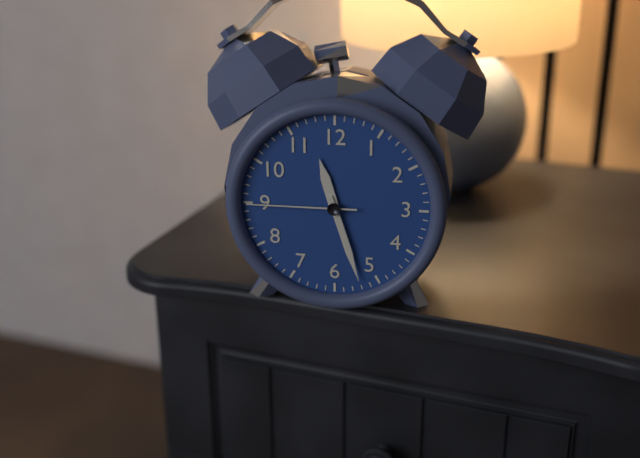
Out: 11,27,45
